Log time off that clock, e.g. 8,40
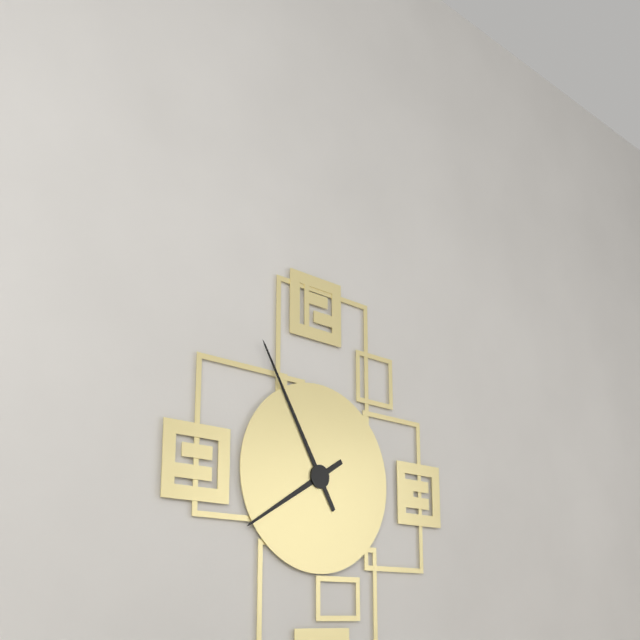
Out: 7,55
